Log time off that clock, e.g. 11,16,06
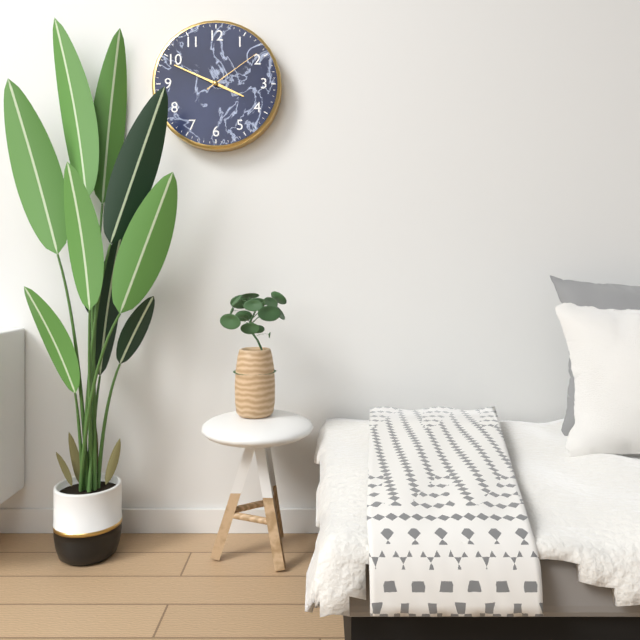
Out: 3,49,09
